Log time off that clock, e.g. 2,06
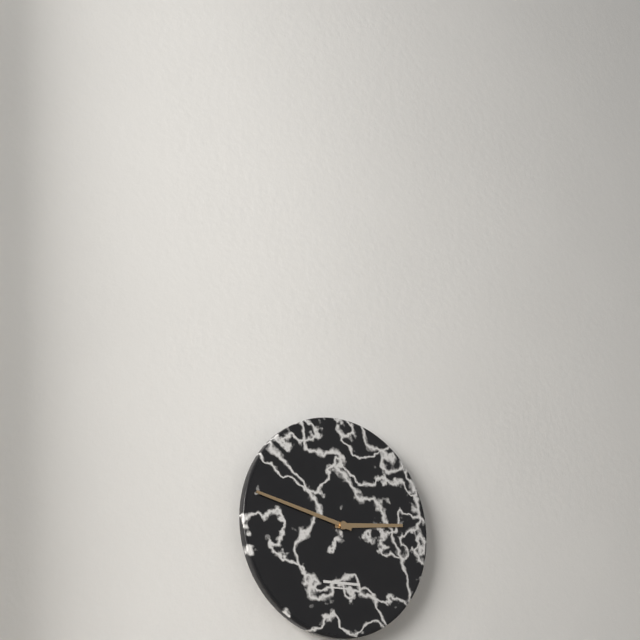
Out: 2,47
